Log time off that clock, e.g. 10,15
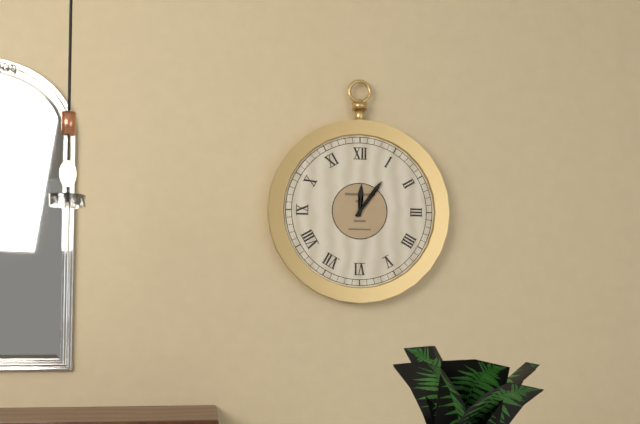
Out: 12,06
